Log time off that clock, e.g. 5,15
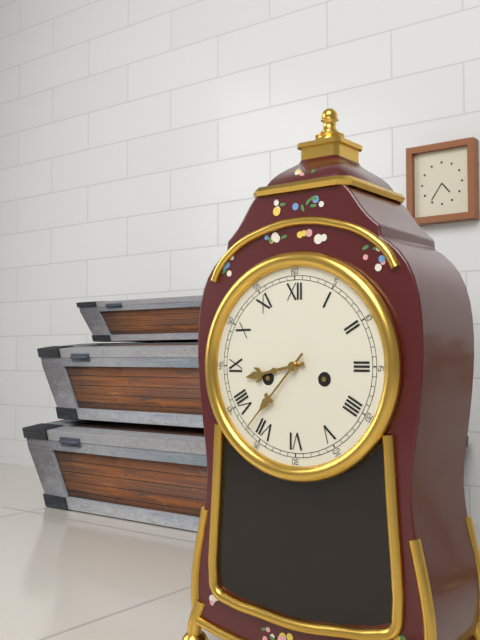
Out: 8,37
